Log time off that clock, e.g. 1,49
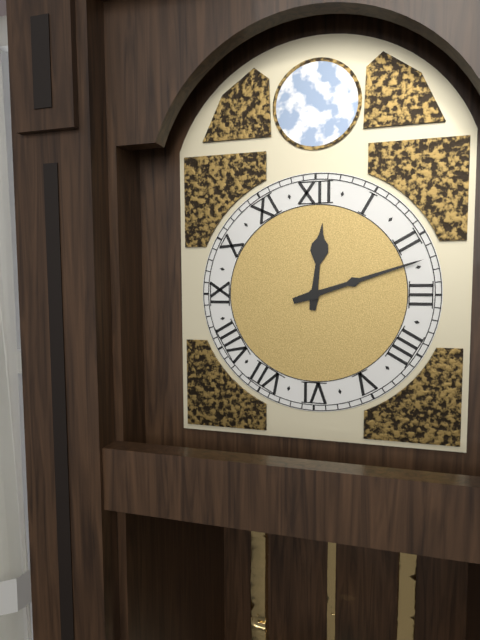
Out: 12,12
